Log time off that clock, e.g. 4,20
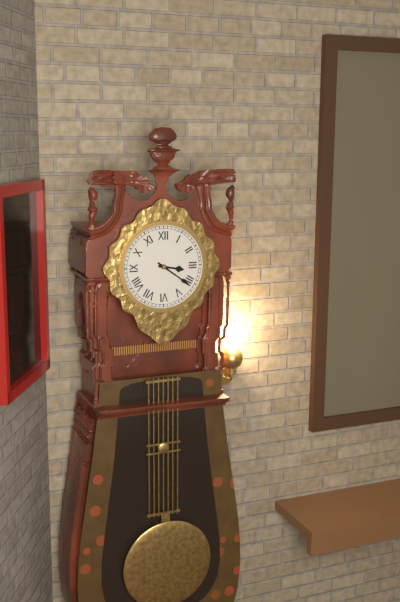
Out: 3,21
